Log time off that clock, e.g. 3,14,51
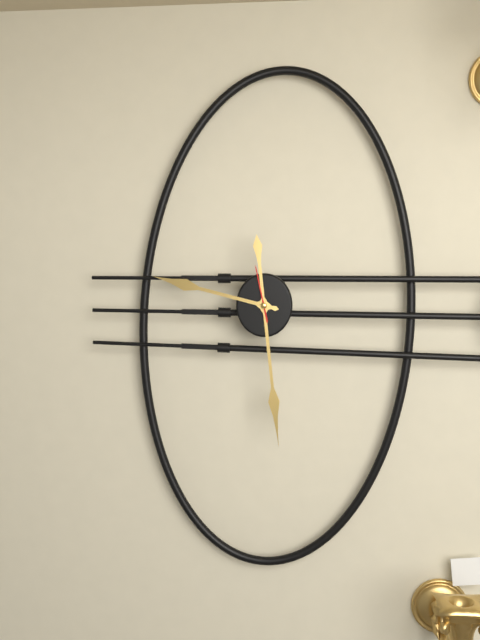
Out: 9,29,58
